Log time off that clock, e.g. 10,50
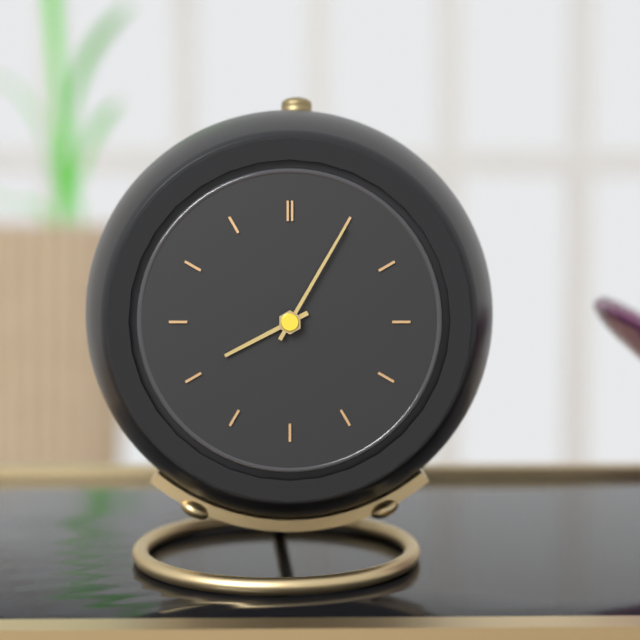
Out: 8,05
